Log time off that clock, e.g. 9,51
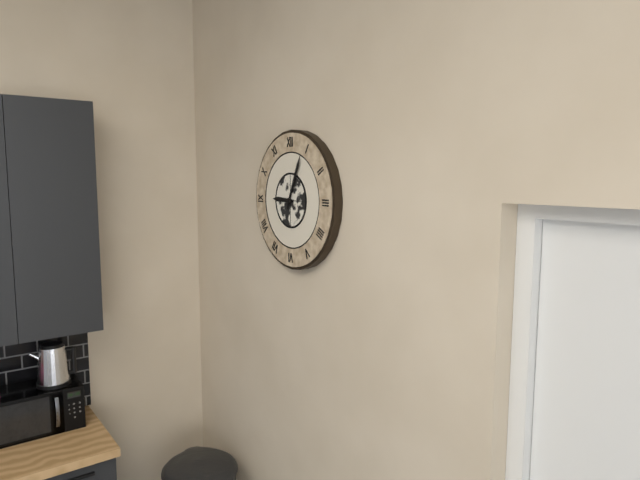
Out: 9,04
